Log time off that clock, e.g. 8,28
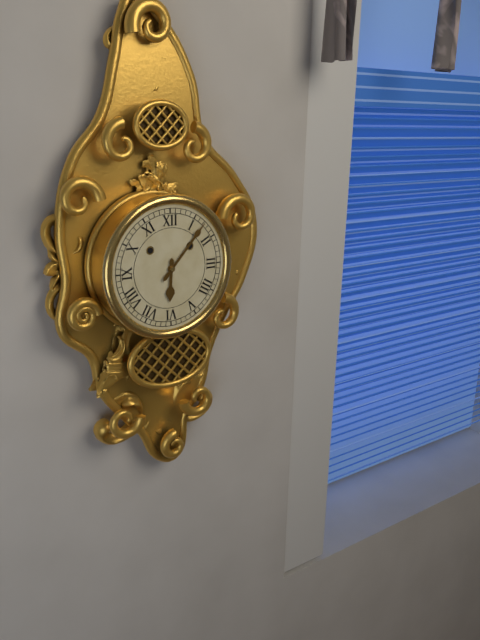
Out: 6,07
